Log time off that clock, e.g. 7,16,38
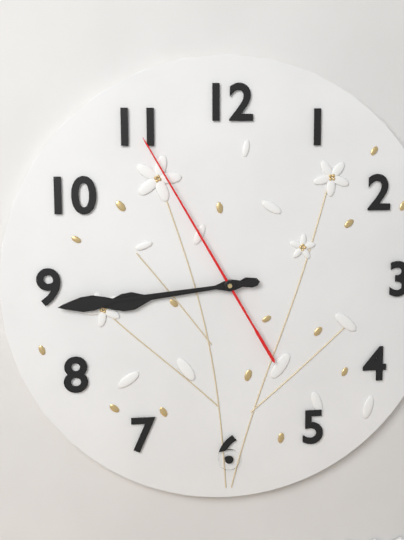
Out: 8,44,55
